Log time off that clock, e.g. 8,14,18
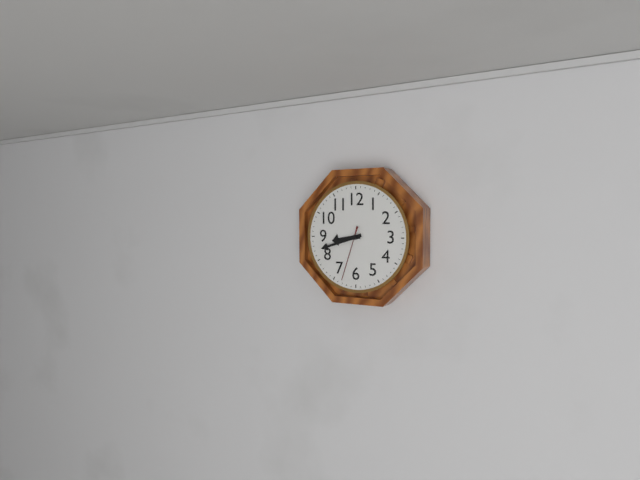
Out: 8,42,33
